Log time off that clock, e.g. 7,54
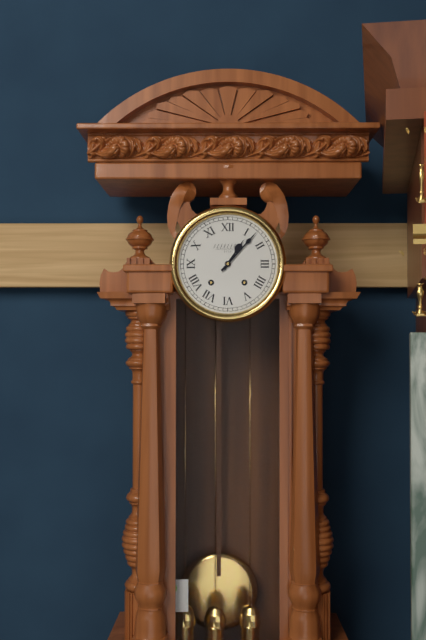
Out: 1,07
